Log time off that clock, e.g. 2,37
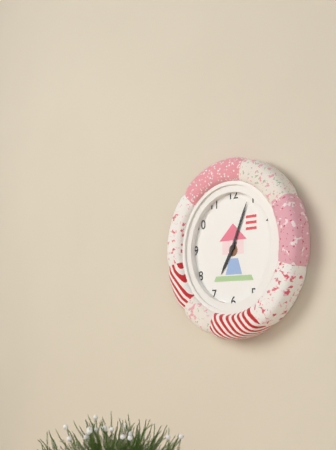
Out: 7,04
